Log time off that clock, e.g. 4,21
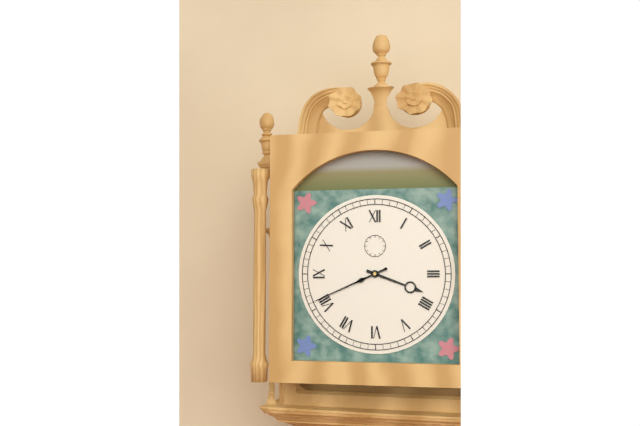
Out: 3,41
